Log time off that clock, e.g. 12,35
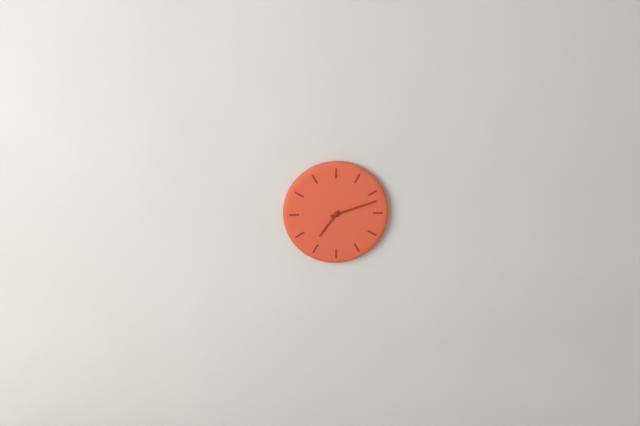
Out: 7,12
